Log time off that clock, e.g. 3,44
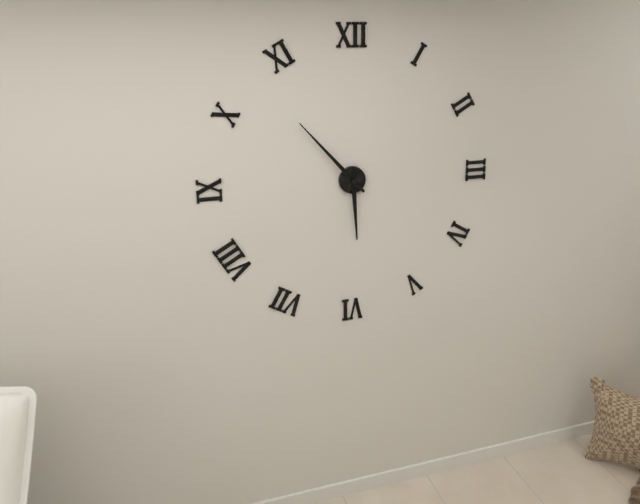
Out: 5,53
